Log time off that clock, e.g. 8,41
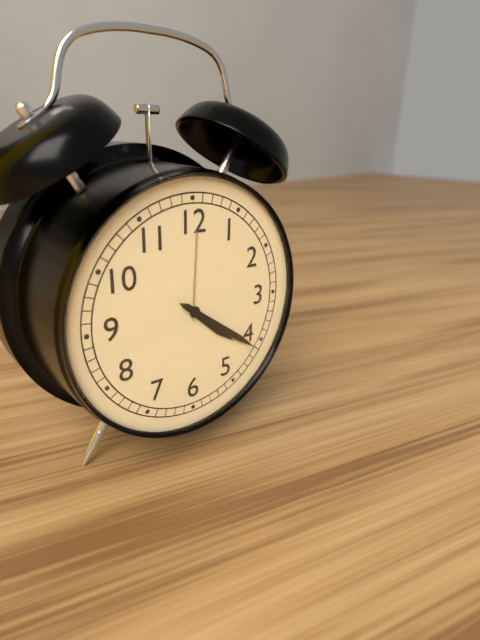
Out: 4,21
